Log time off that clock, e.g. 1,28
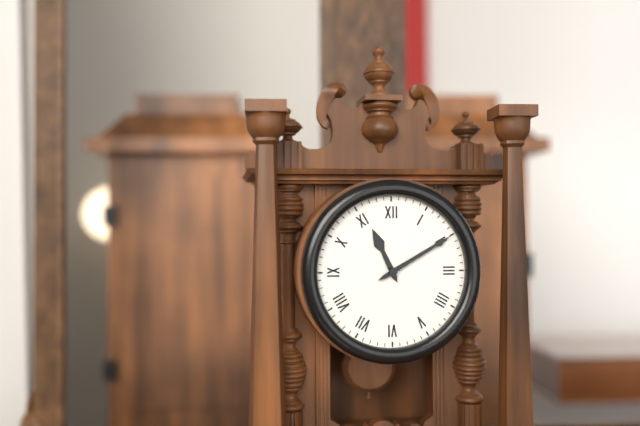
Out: 11,10
